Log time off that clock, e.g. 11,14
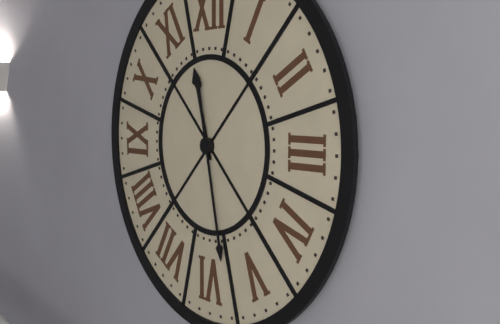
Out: 11,28
